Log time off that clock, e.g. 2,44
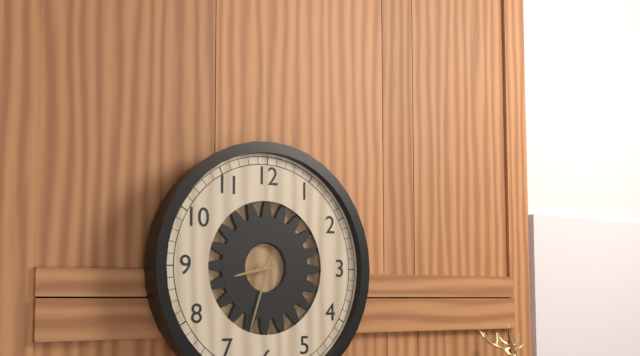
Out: 8,33
